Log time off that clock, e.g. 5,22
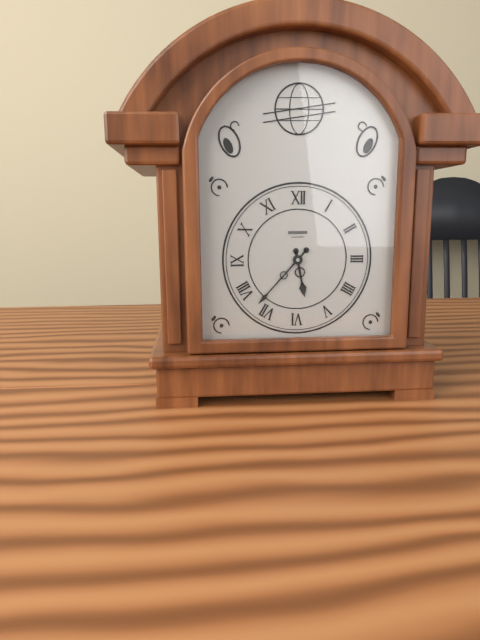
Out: 5,37
